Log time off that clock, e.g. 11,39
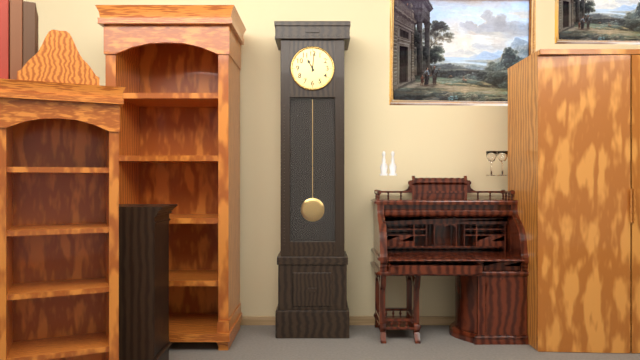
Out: 11,01
